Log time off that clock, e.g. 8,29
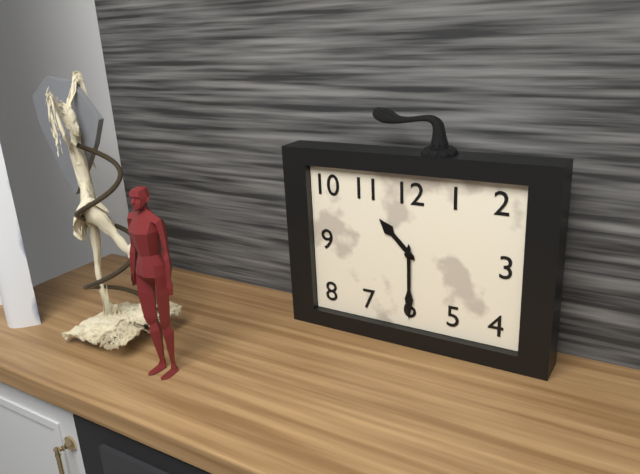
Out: 10,30
